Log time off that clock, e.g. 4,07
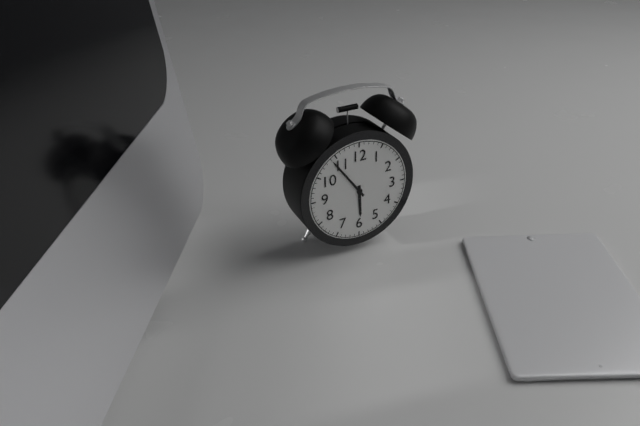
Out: 5,54
